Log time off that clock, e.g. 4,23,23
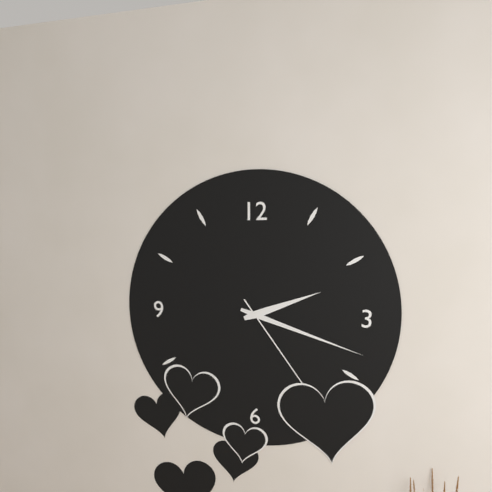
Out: 2,18,24
